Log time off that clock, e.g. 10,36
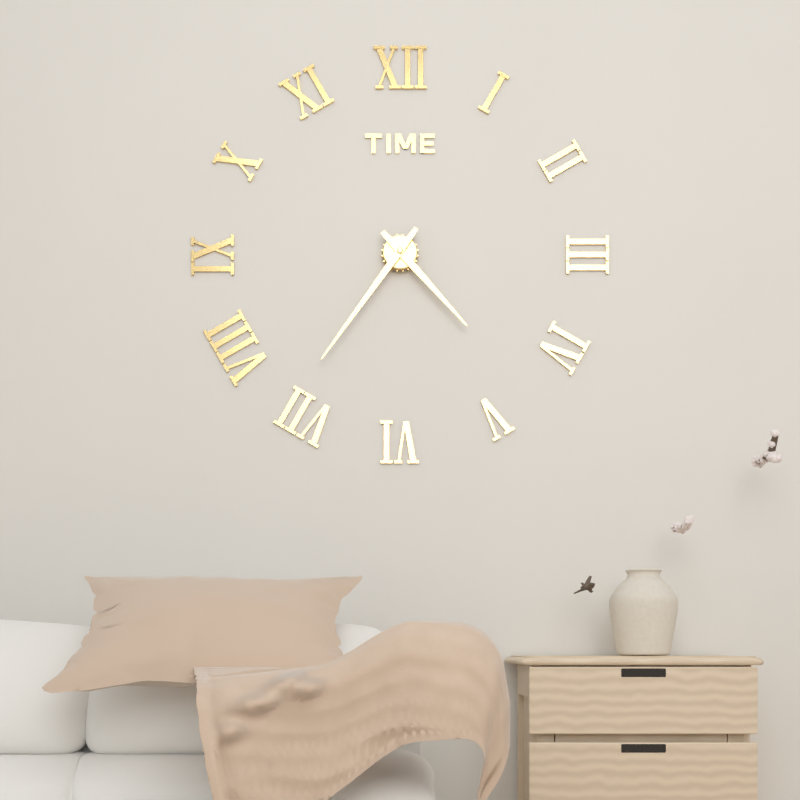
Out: 4,36
